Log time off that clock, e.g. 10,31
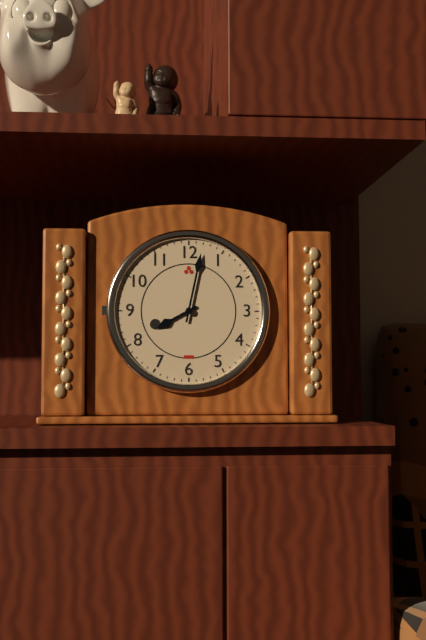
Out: 8,02
